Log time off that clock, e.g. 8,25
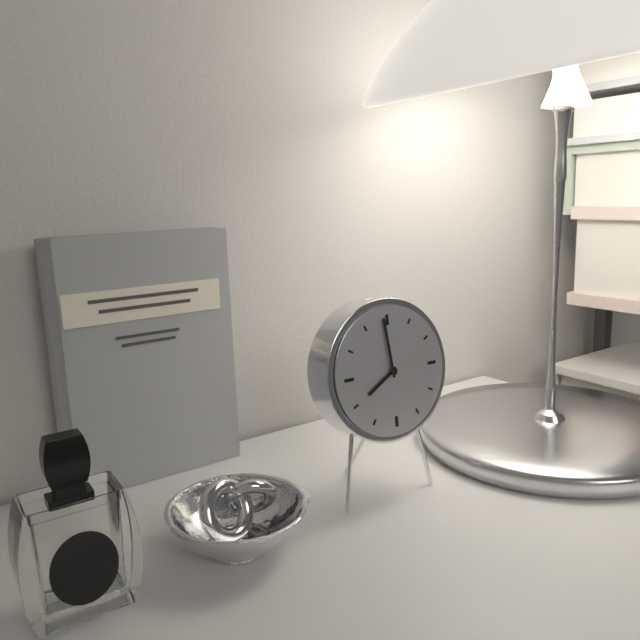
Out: 7,59
